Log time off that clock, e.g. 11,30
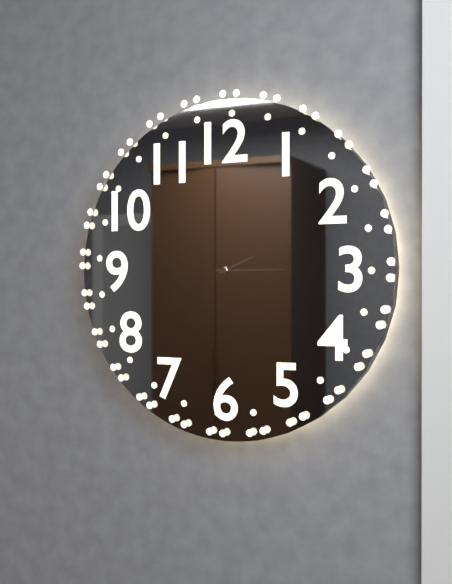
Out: 2,15
